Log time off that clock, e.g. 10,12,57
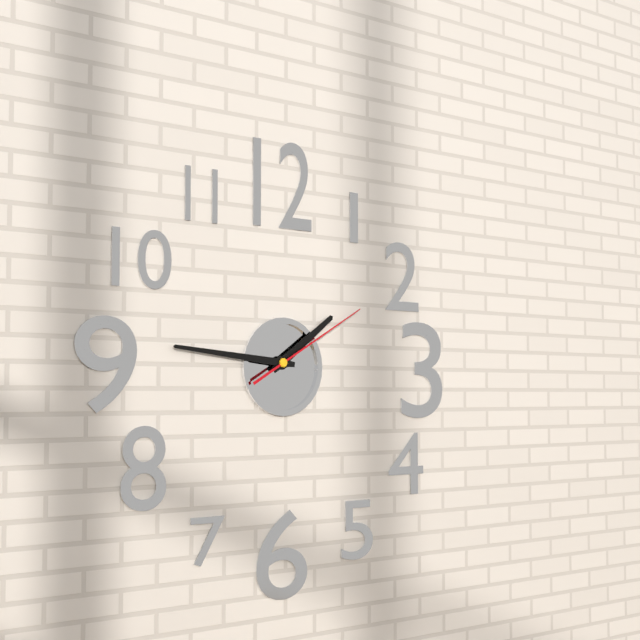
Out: 1,46,10
